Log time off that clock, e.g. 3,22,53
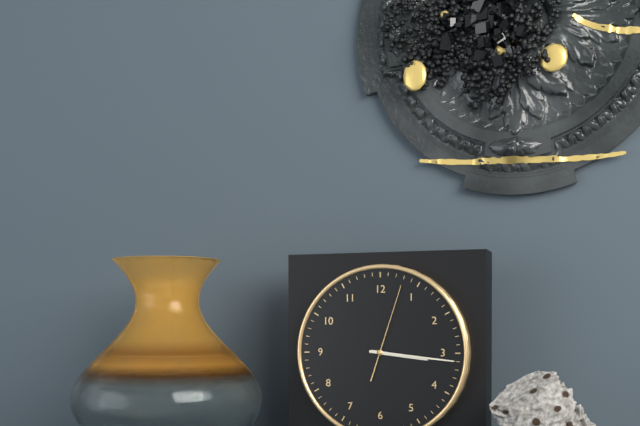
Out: 3,16,03
